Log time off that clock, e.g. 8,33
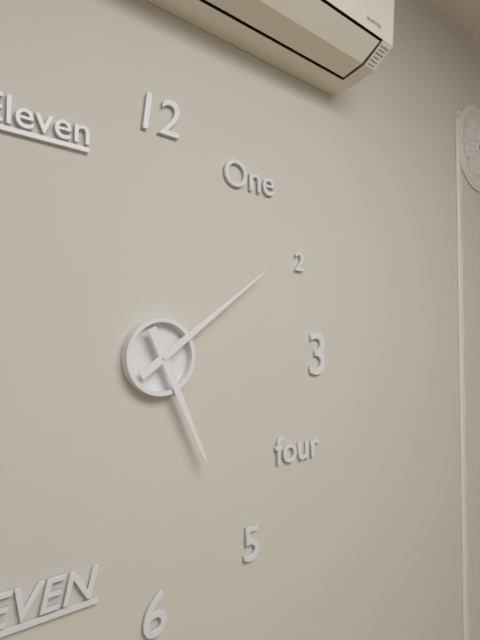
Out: 5,09
